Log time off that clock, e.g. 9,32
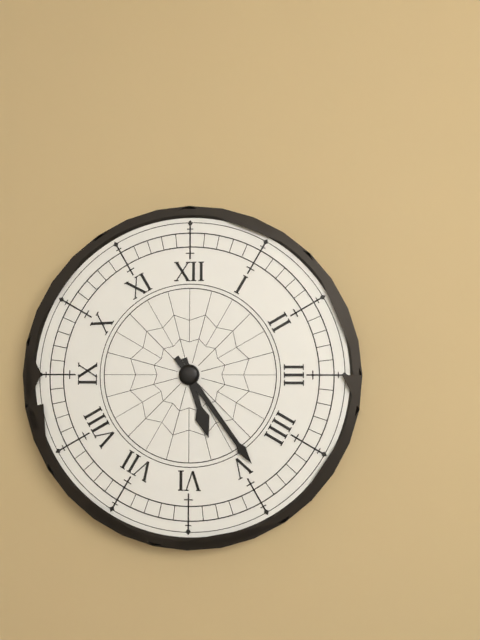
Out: 5,24
